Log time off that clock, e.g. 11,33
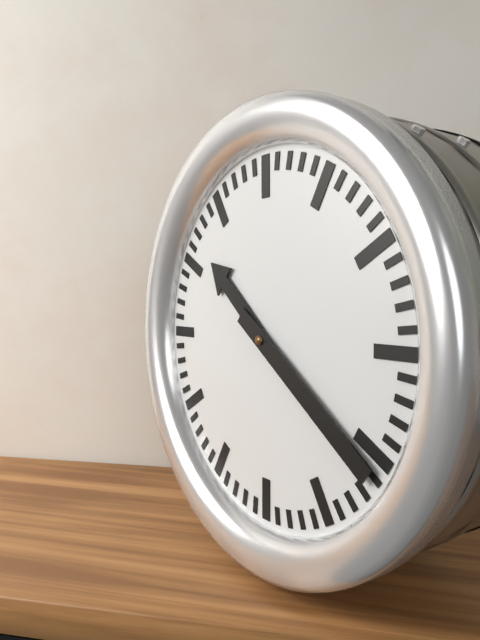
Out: 10,21
